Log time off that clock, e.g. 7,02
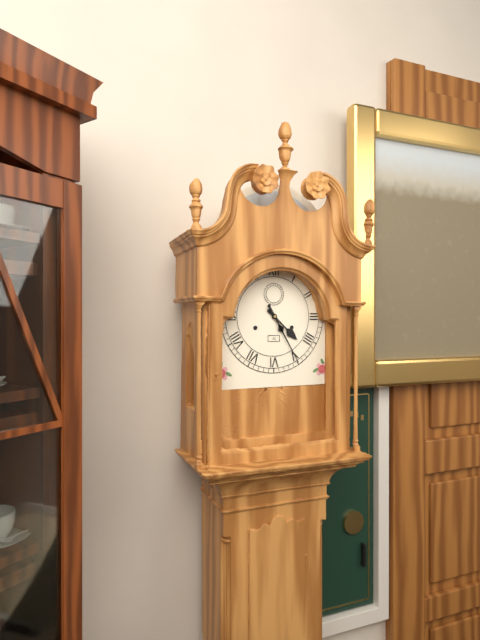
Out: 4,25
